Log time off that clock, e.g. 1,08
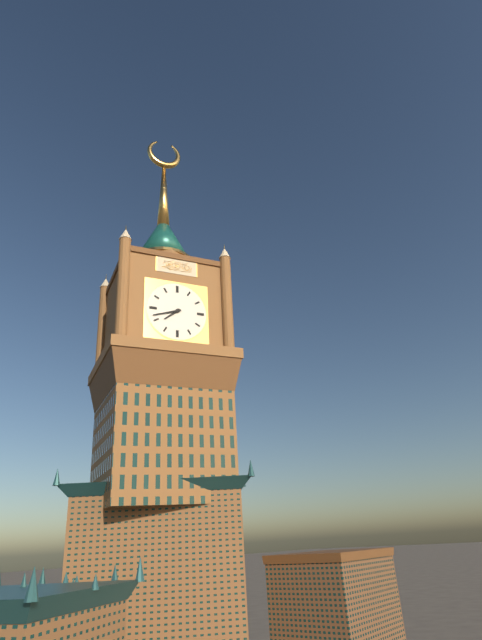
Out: 7,42
